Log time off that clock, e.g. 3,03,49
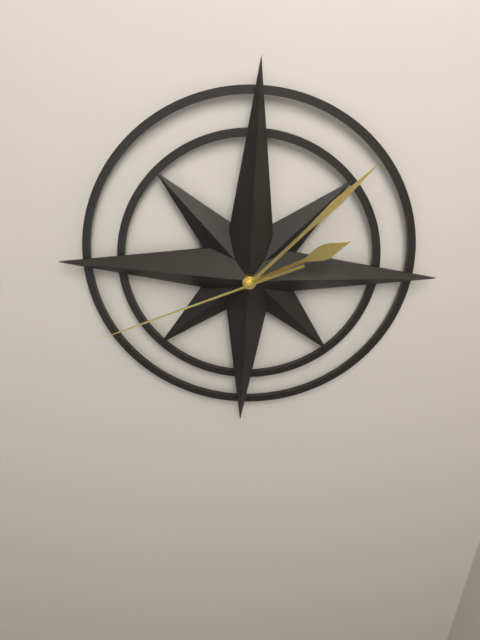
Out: 2,07,41
